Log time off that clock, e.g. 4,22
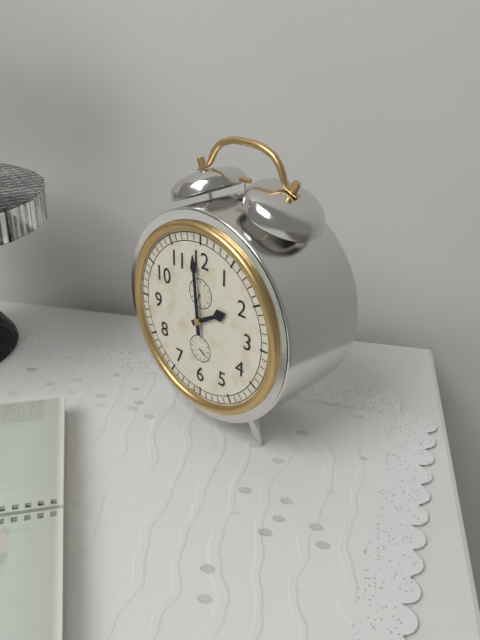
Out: 1,59
